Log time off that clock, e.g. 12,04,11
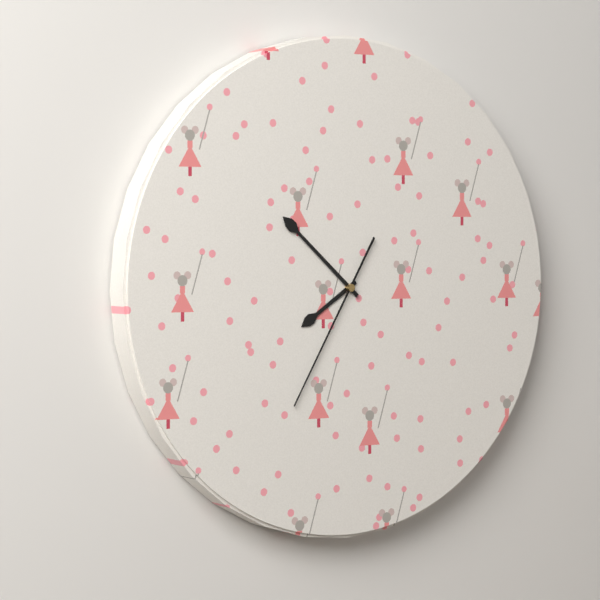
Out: 7,52,35
